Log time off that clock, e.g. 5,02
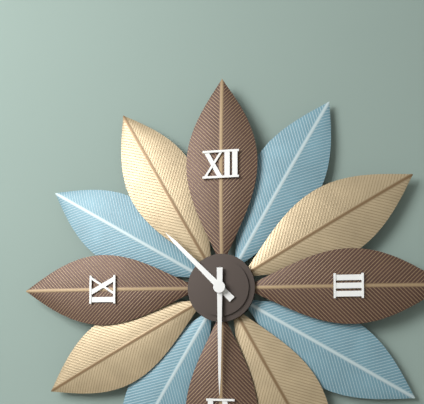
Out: 10,30
